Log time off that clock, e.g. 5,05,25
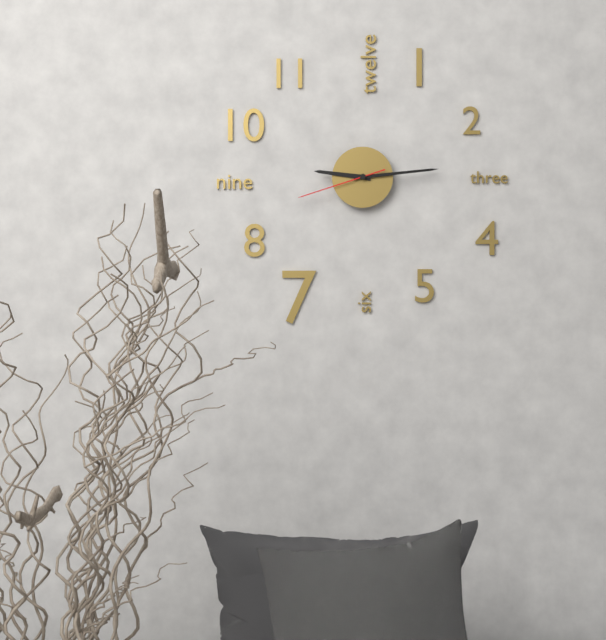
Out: 9,14,42
